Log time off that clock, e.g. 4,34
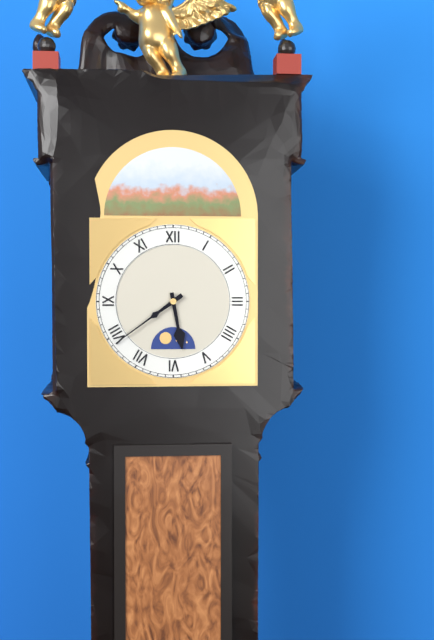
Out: 5,39
